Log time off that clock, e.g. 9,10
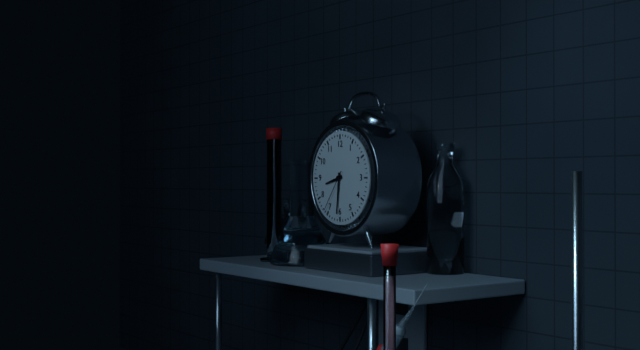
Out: 8,31
